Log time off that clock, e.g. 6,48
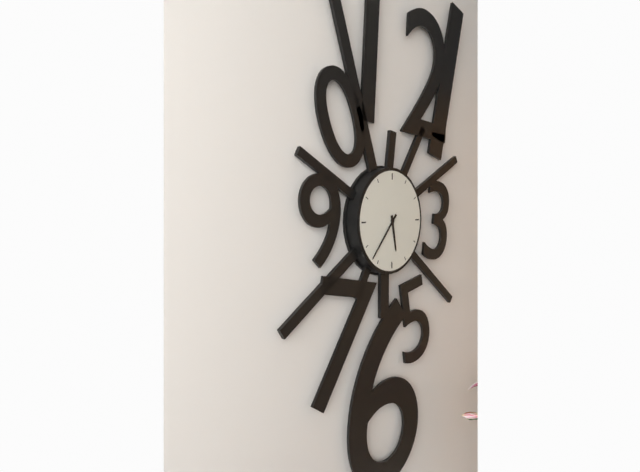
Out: 5,37
